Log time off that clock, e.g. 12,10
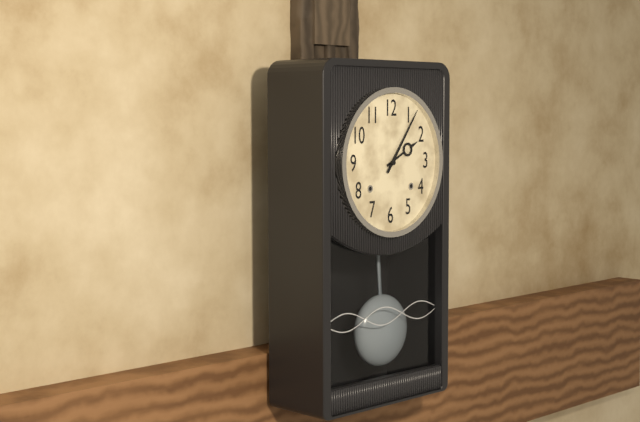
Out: 2,06
